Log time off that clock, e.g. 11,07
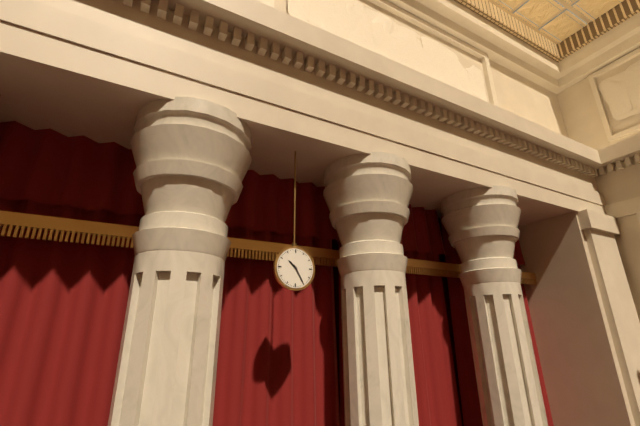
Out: 10,25
